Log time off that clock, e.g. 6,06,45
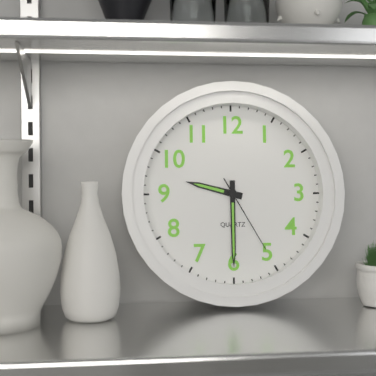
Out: 9,30,25
